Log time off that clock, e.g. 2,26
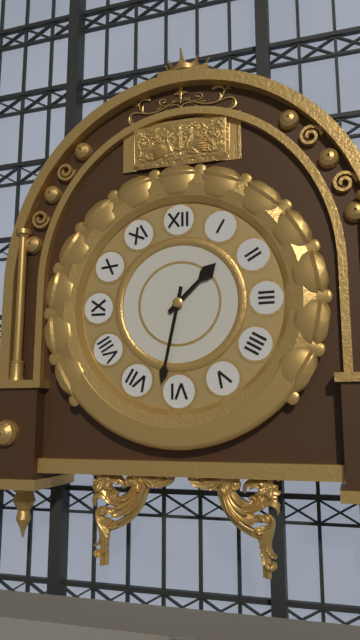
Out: 1,32
